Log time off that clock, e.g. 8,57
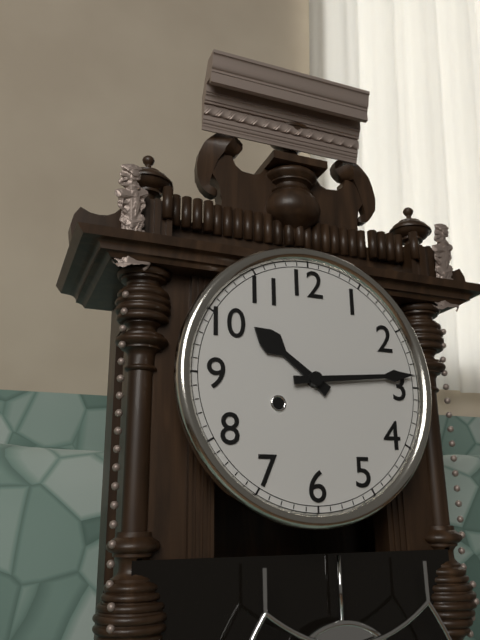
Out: 10,14
